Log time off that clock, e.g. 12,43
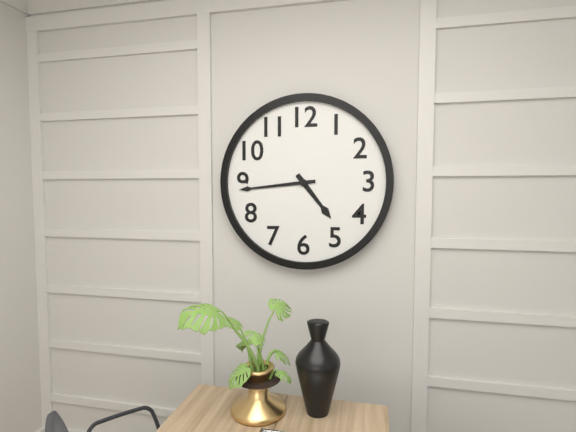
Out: 4,44
